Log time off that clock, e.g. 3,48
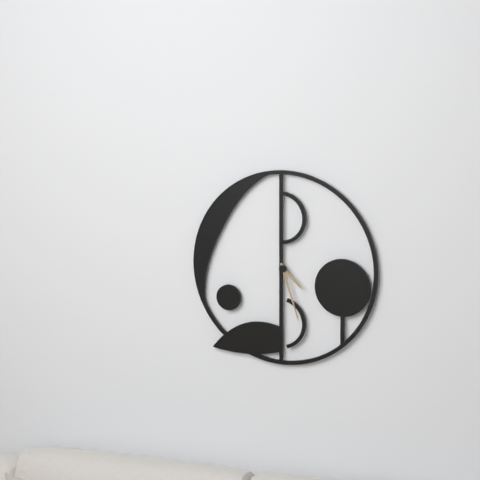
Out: 4,27
